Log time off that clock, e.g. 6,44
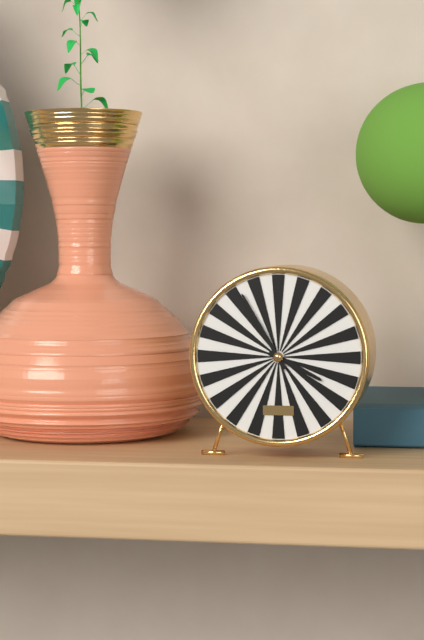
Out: 3,55
